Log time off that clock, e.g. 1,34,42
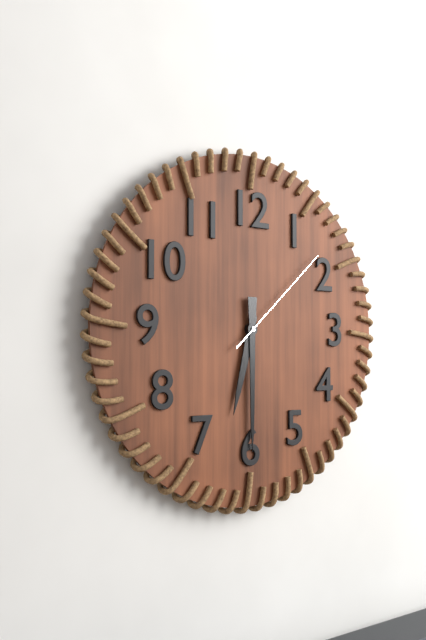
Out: 6,30,08
